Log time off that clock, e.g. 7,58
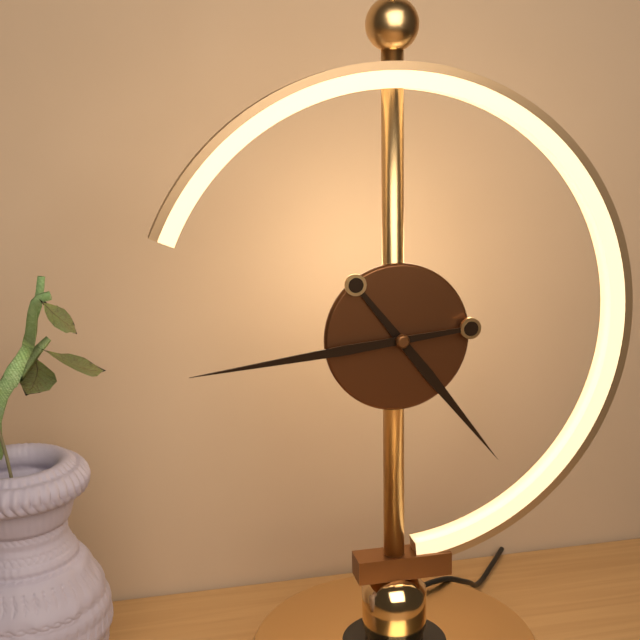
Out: 4,44
